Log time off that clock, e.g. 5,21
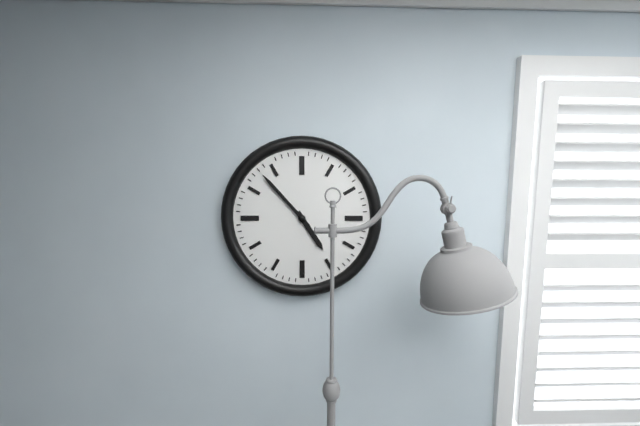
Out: 4,53
